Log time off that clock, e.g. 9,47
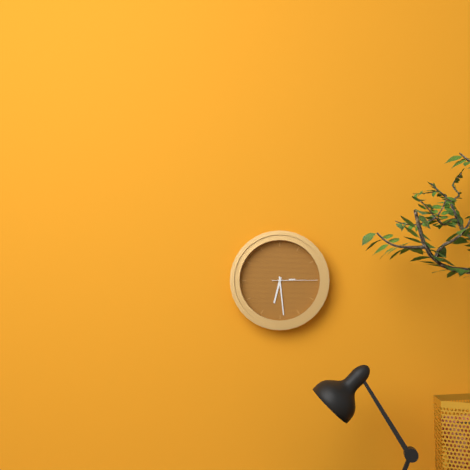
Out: 6,29
